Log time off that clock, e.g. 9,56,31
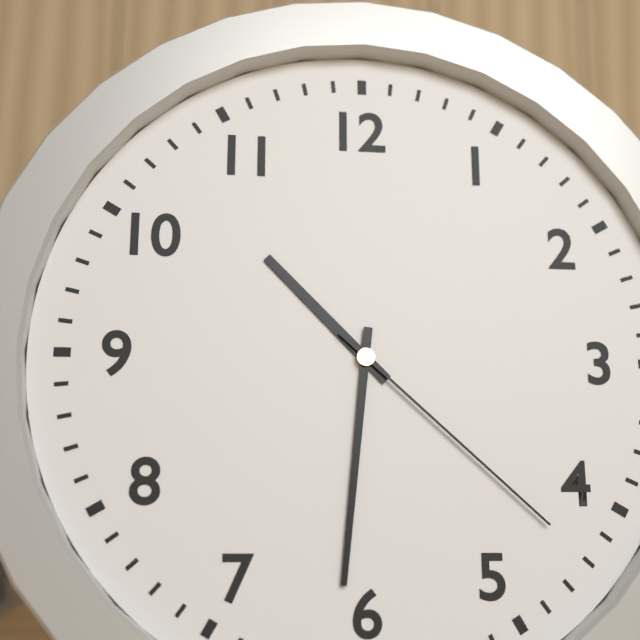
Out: 10,31,22
